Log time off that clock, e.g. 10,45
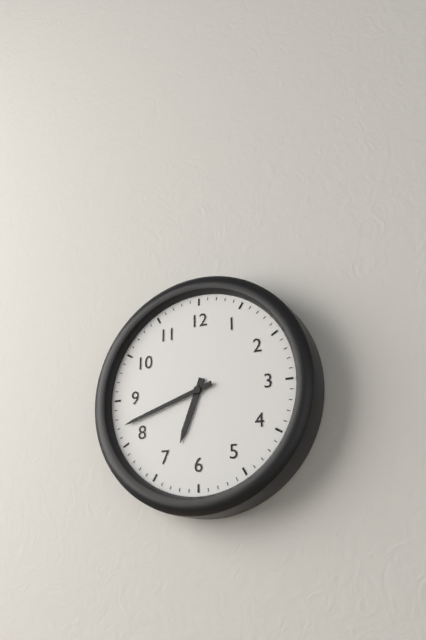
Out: 6,42
